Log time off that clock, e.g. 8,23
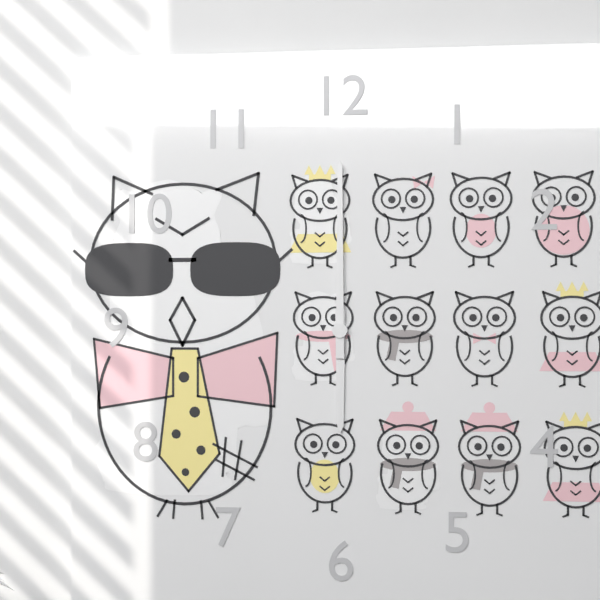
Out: 6,00
